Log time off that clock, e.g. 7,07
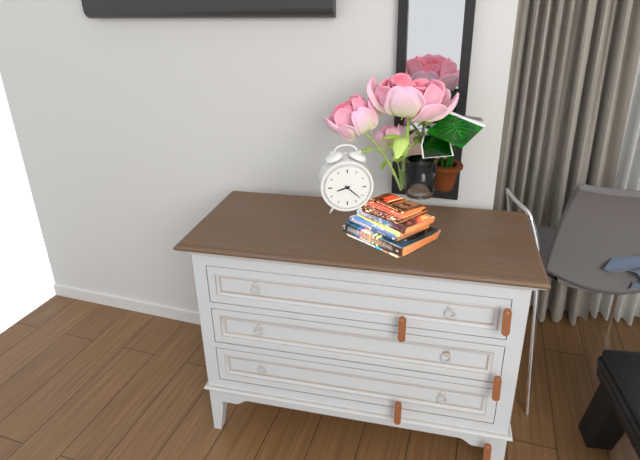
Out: 8,22
